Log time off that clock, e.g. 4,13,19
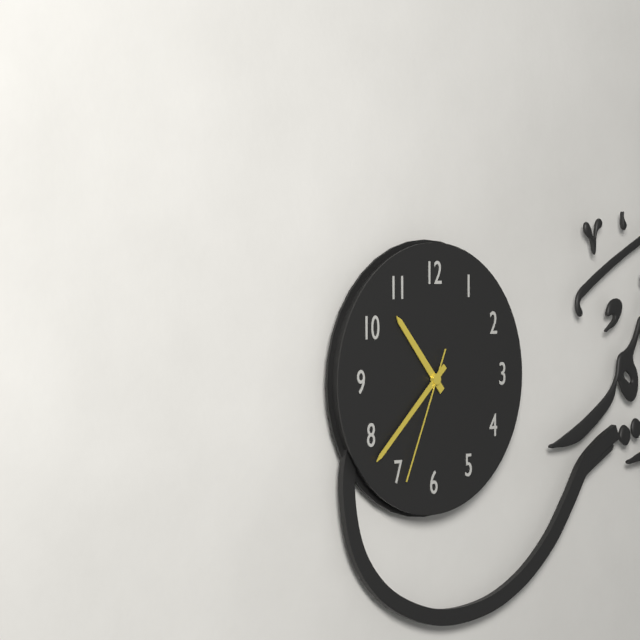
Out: 10,38,34
